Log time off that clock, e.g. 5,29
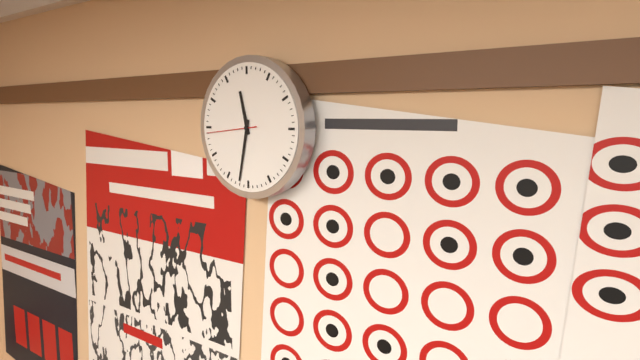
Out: 11,32
